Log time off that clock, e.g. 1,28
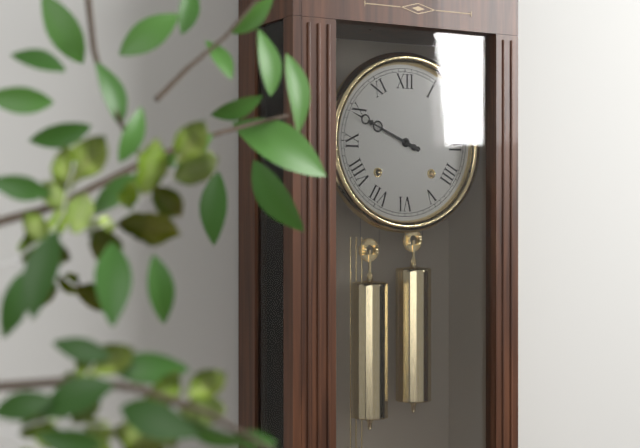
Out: 9,49
